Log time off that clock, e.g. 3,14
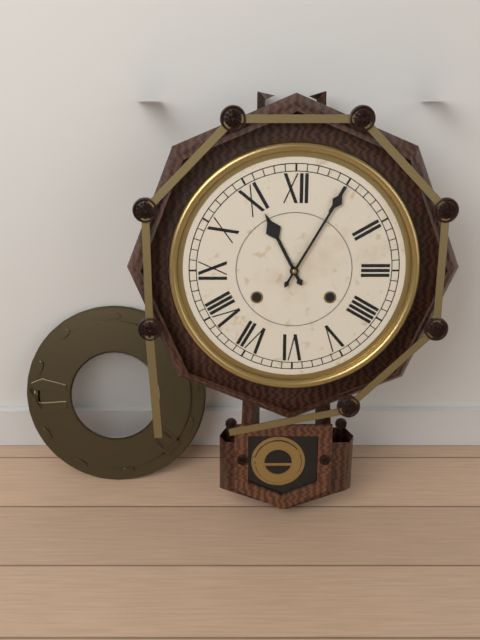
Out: 11,05
